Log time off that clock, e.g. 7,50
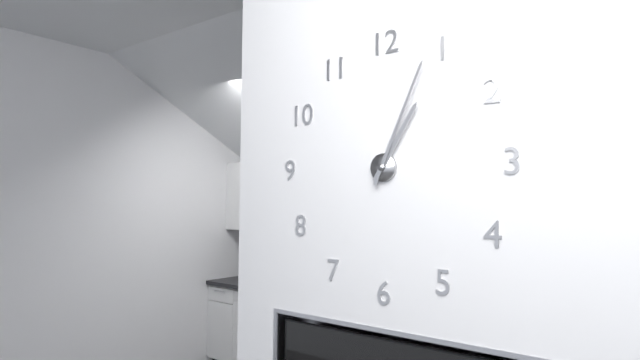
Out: 1,04
